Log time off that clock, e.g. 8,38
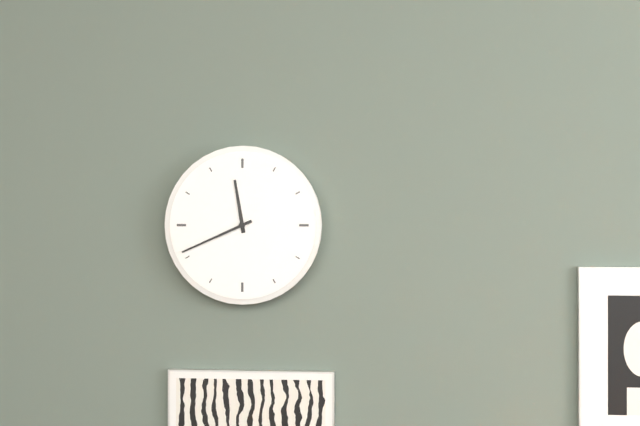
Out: 11,41
